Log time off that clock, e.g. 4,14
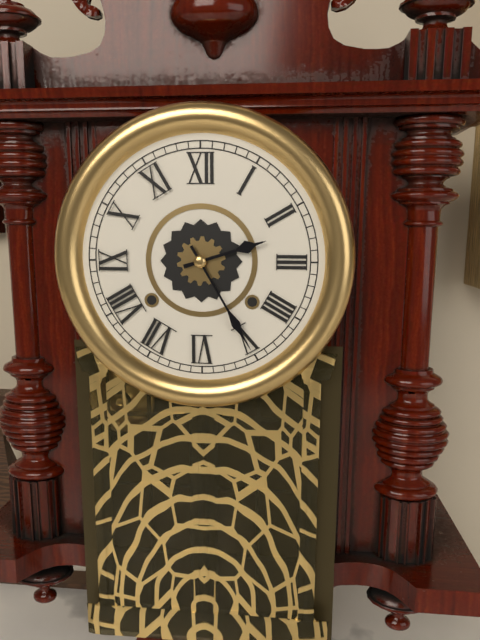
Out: 2,25
